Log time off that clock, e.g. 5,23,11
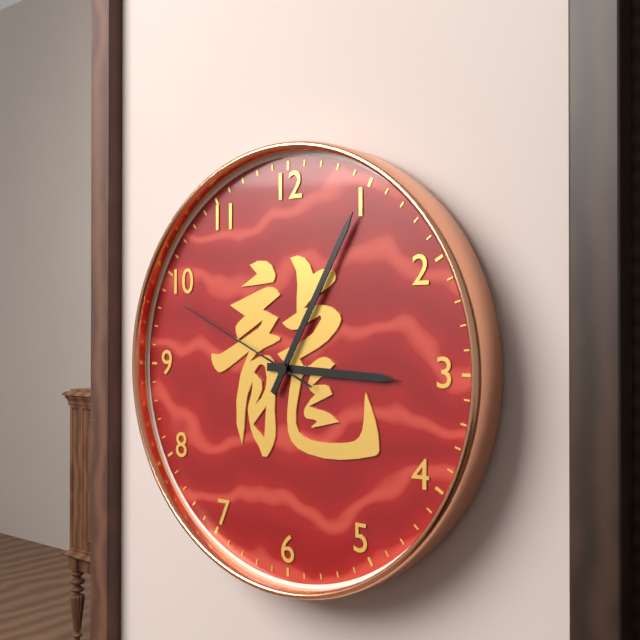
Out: 3,05,49
